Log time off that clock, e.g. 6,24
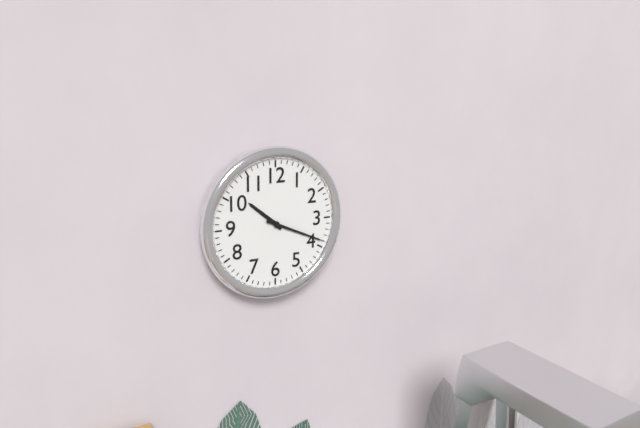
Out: 10,19
